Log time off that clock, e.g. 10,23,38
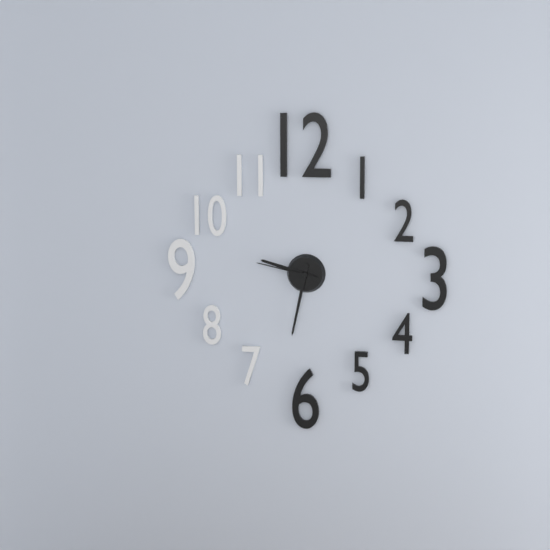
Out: 9,32,47
